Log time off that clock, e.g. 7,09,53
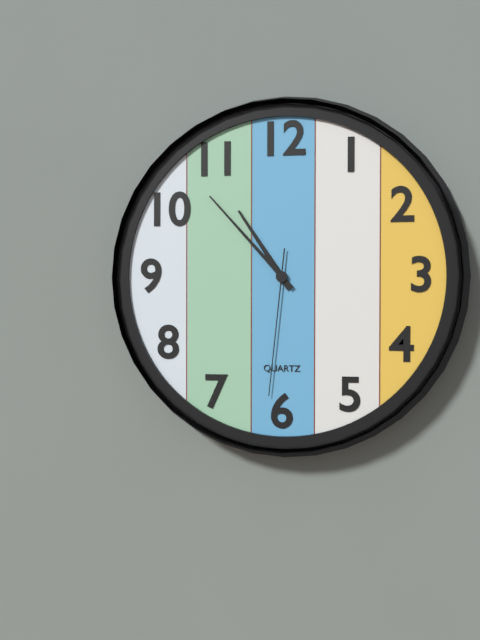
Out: 10,53,31
